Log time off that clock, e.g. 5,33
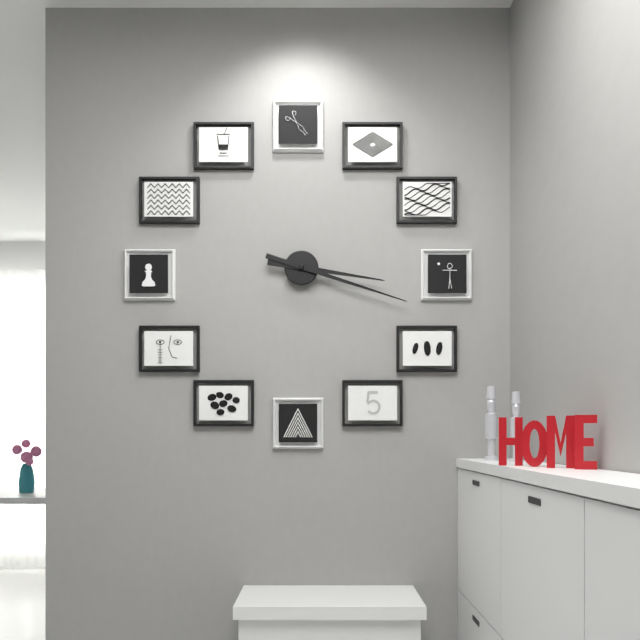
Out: 3,18
